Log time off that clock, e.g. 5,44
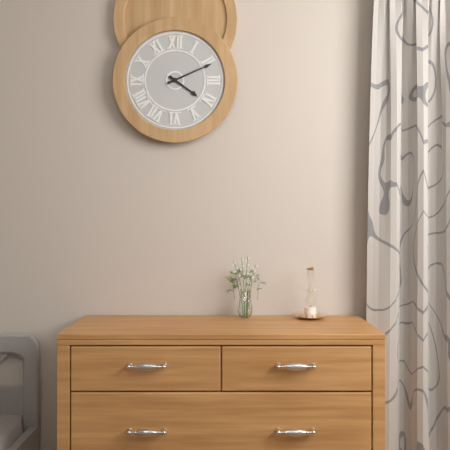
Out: 4,11
